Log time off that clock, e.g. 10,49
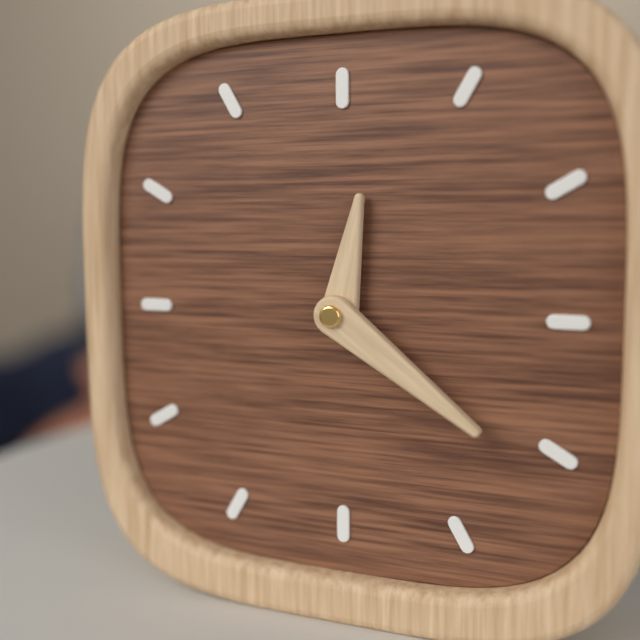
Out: 12,21
